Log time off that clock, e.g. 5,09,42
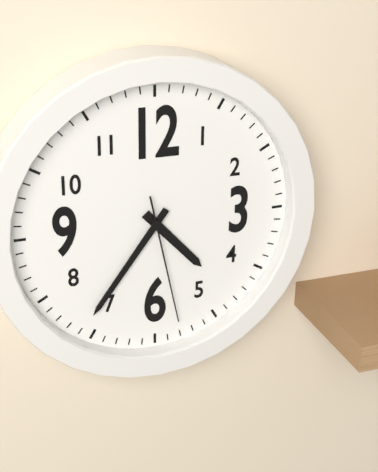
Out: 4,36,28
